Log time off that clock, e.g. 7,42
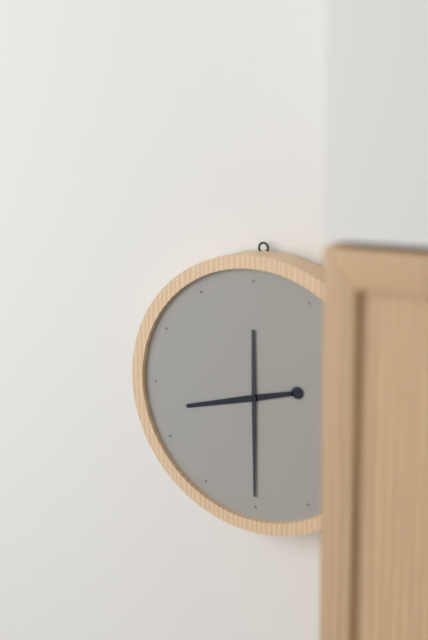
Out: 8,30
